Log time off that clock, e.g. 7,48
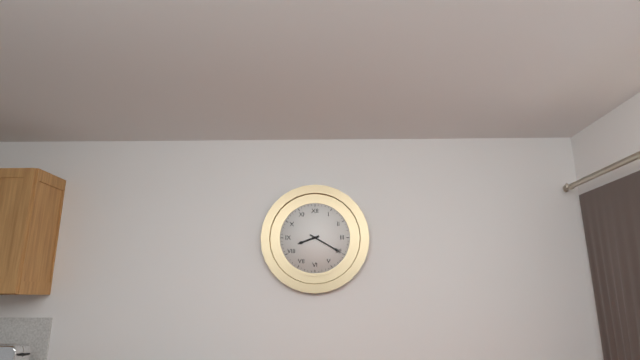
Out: 8,20
